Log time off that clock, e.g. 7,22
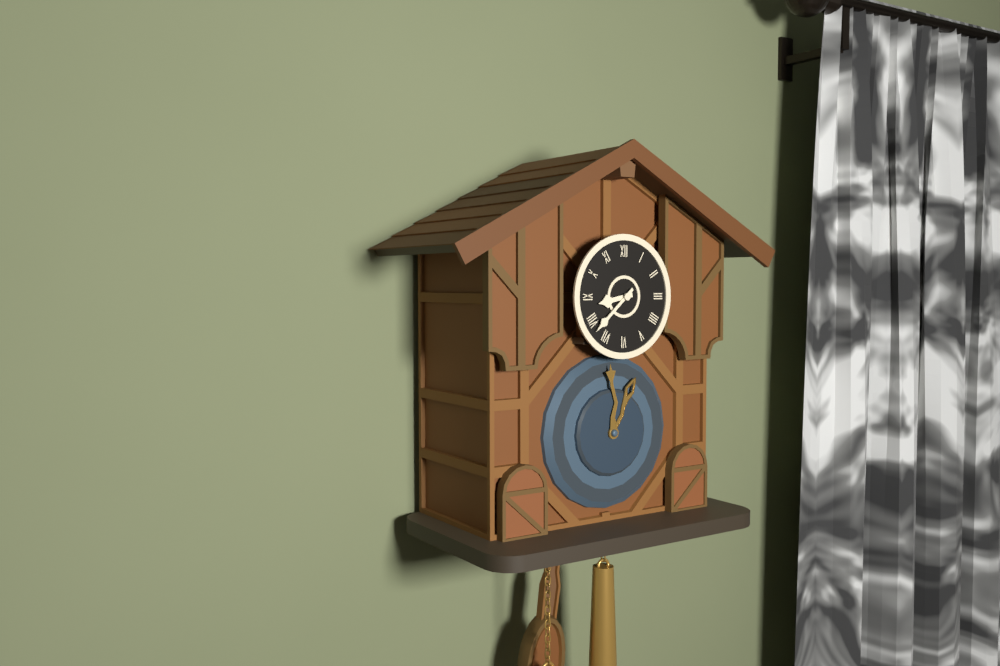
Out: 8,38
